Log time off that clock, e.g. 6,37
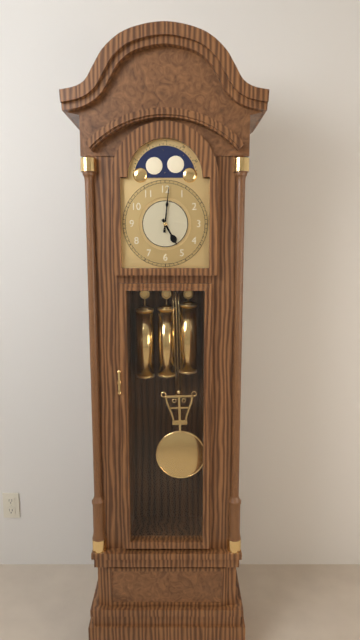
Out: 5,01
